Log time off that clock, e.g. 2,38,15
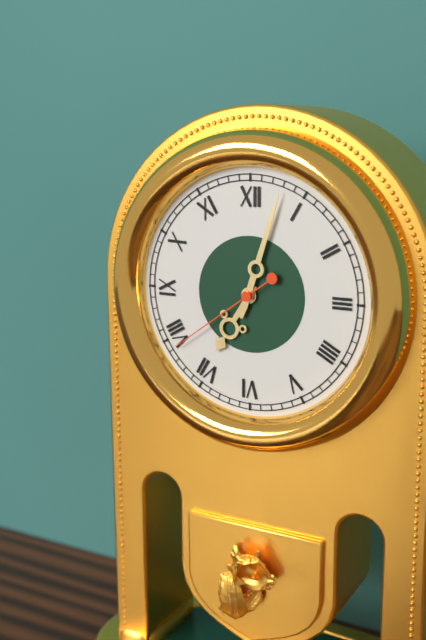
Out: 7,03,39
